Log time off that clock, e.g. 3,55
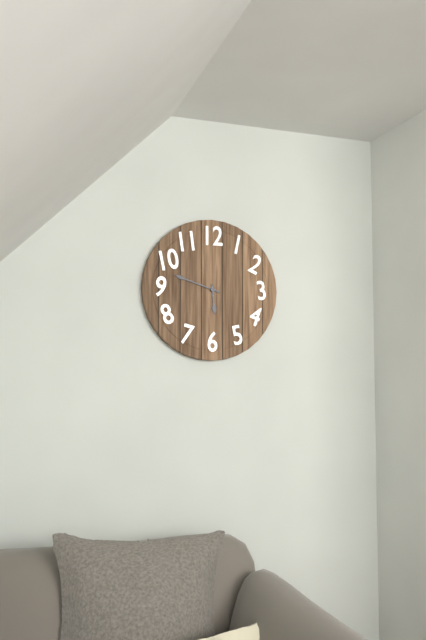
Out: 5,48
